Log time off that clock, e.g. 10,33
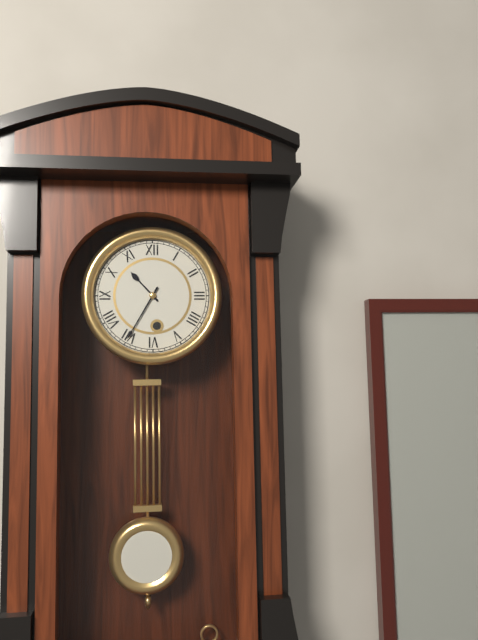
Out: 10,35
